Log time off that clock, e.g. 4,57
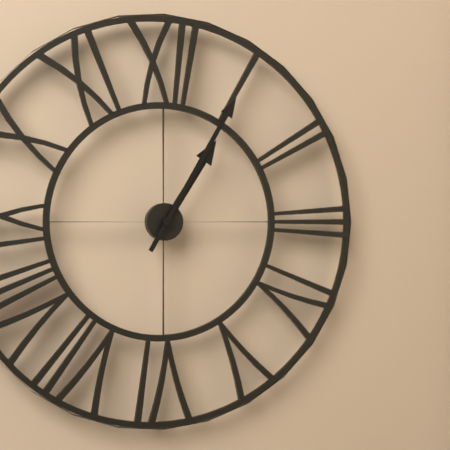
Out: 1,05
